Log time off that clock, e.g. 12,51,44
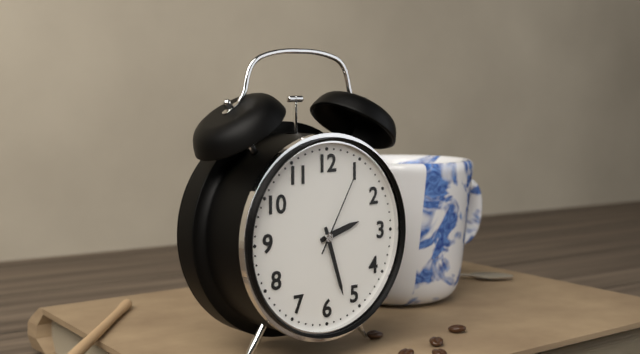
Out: 2,27,05
